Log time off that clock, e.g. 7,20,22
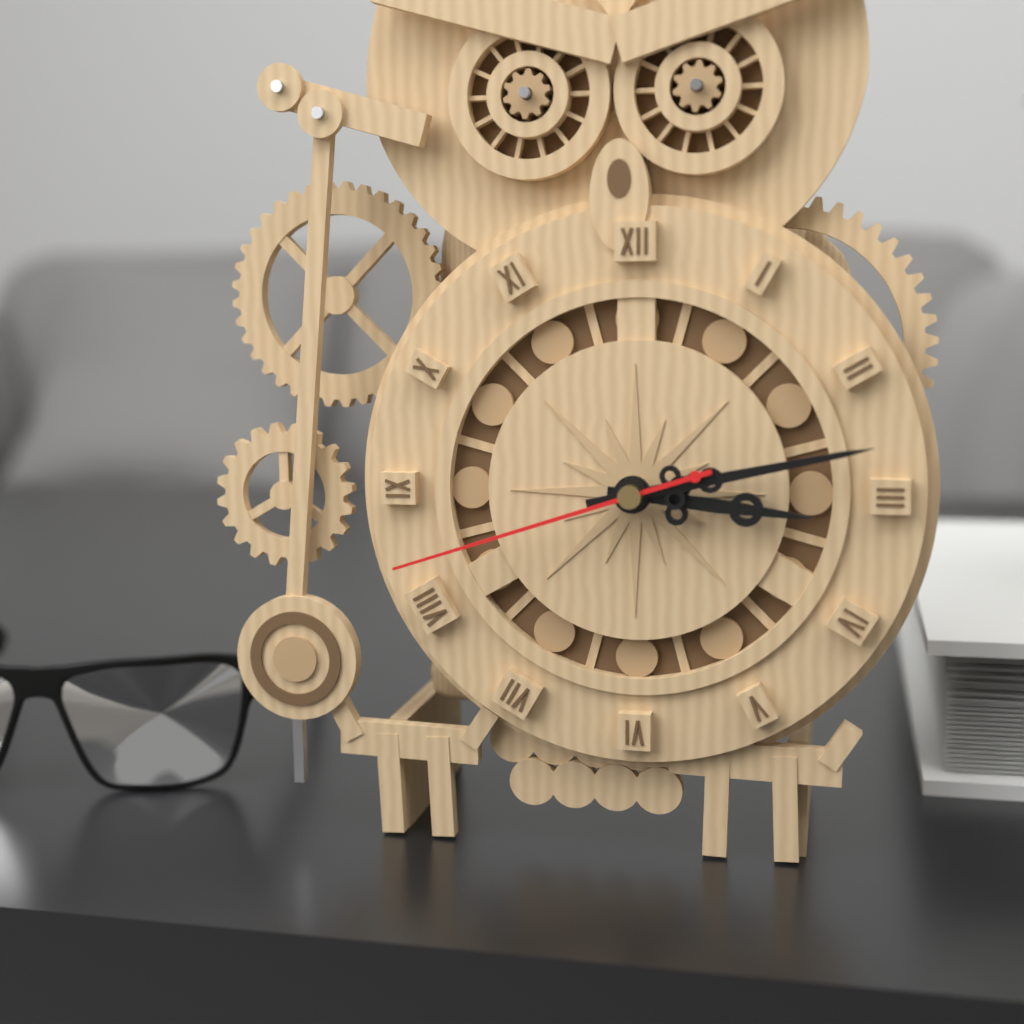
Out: 3,13,42
